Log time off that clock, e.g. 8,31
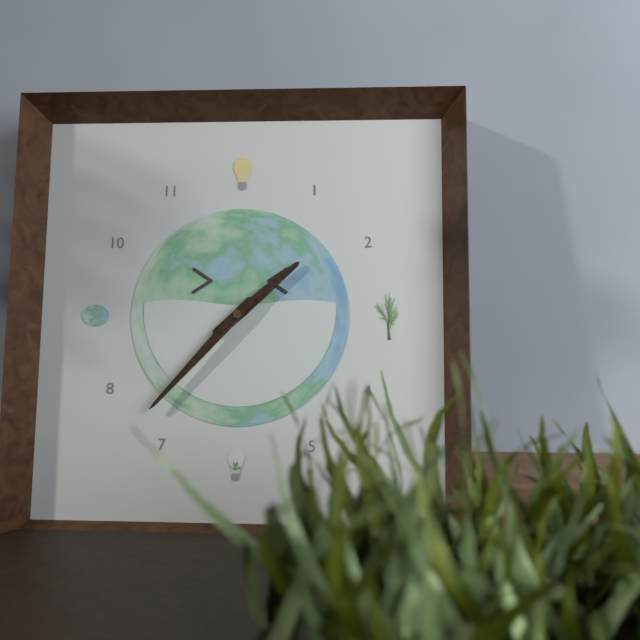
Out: 1,37
